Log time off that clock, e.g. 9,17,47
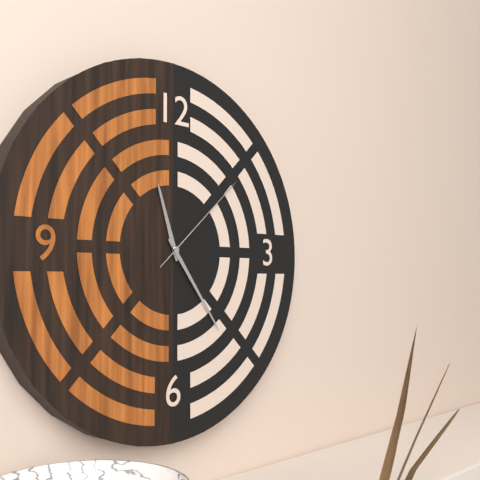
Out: 11,24,08
